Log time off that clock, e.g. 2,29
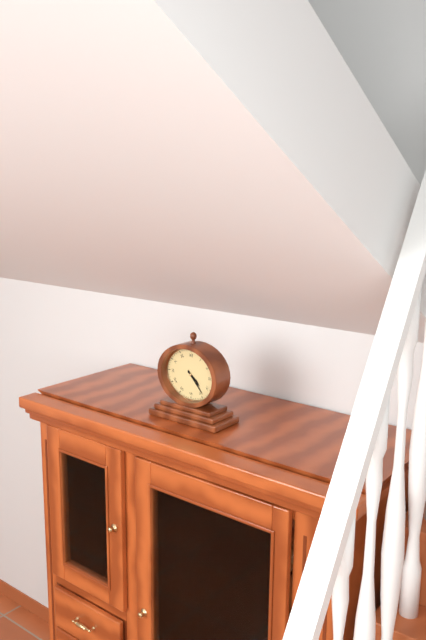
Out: 4,23
